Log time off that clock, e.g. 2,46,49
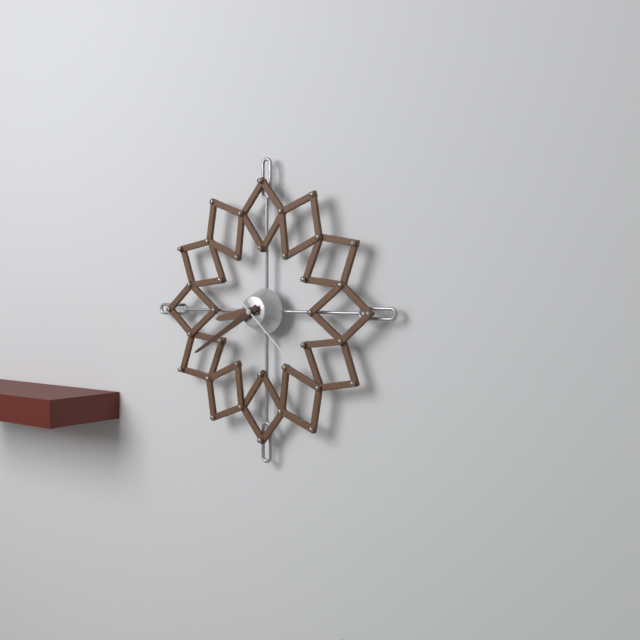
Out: 8,40,22
